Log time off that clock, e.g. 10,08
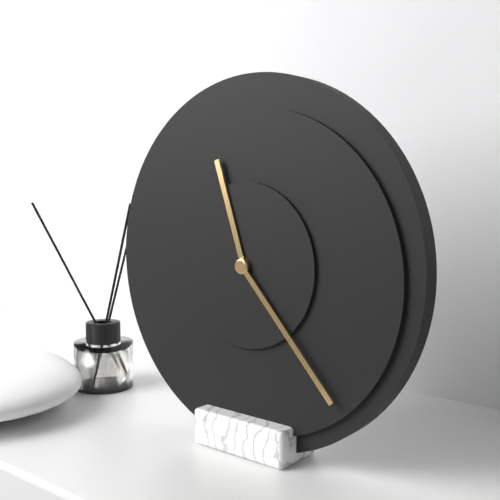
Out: 11,23
